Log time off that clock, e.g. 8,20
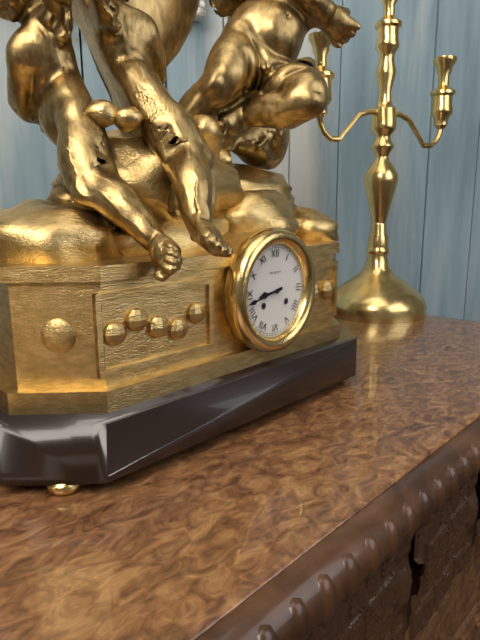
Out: 8,43
